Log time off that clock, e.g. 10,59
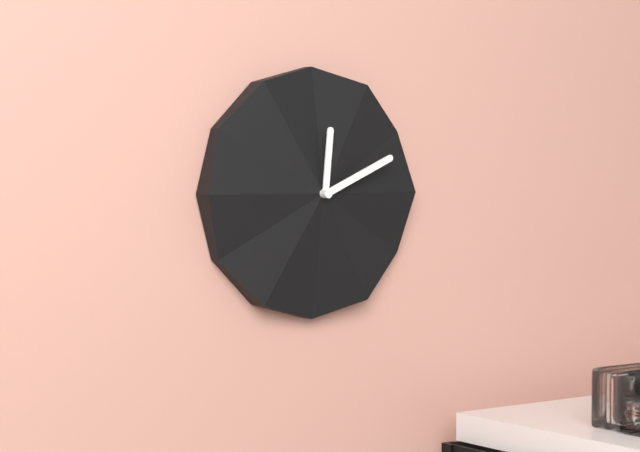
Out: 12,11
